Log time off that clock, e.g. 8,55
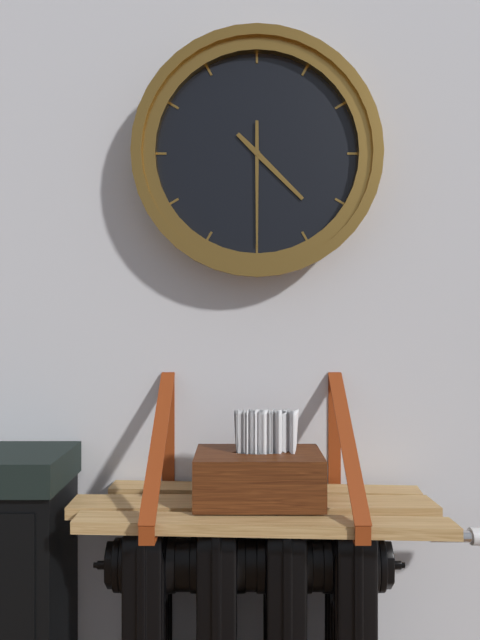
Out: 4,30
